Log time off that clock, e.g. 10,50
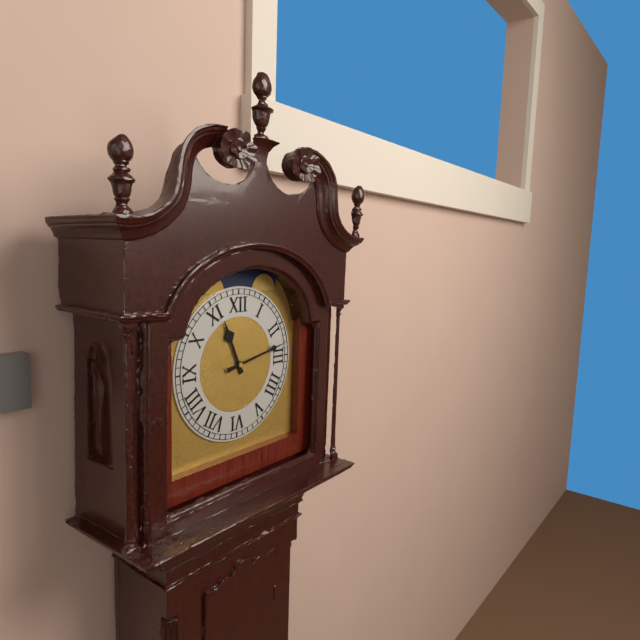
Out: 11,13
